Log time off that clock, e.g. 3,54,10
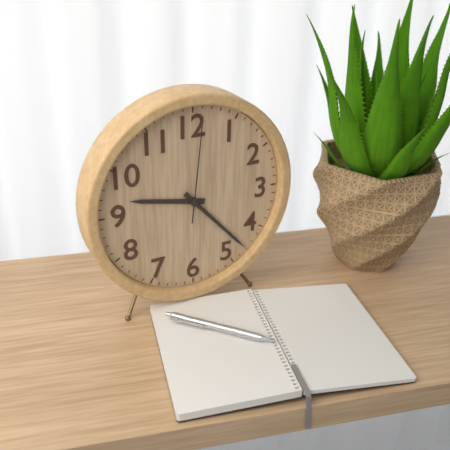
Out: 9,23,01
